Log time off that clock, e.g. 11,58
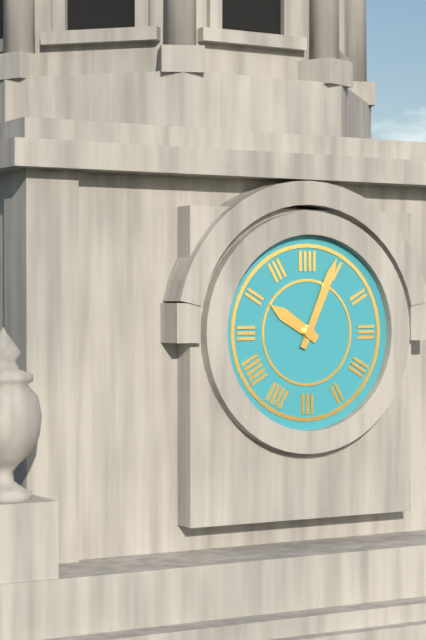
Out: 10,04
